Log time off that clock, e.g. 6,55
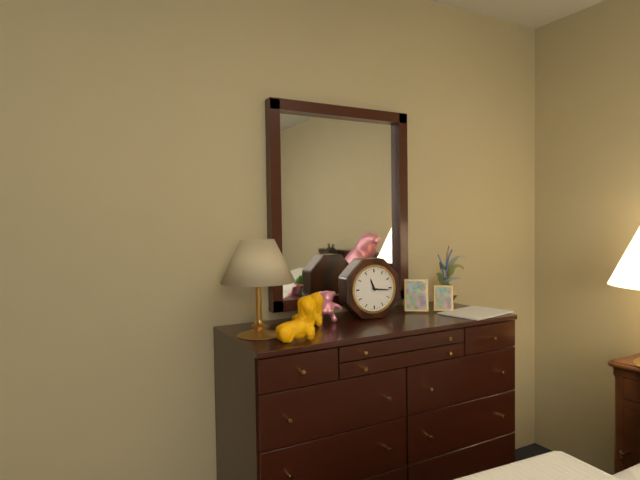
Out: 11,16
